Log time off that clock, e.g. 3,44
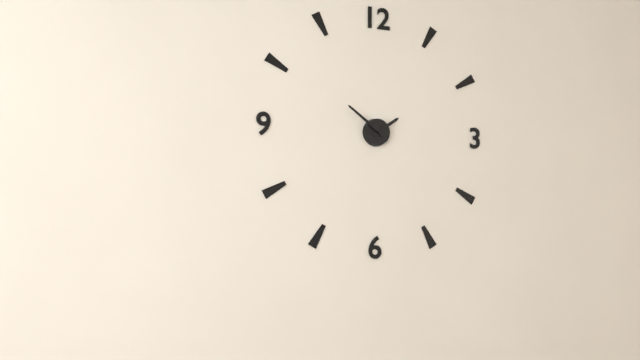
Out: 1,51
